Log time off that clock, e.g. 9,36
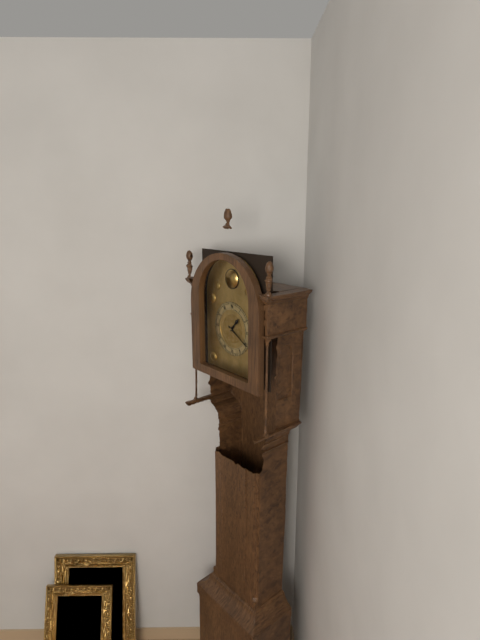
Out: 1,20
